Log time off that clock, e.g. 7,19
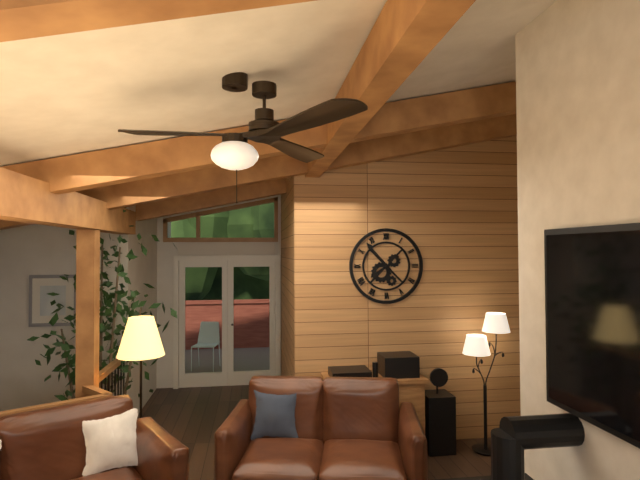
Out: 7,53
